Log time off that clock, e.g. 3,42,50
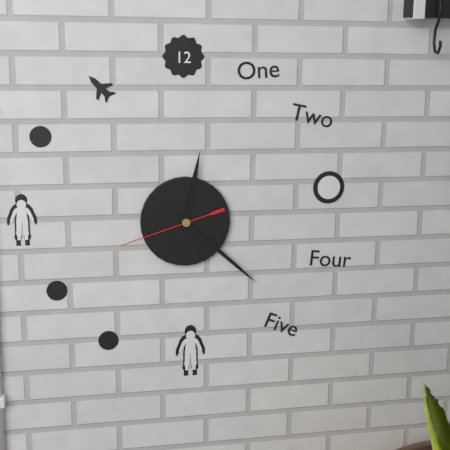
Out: 12,22,42
